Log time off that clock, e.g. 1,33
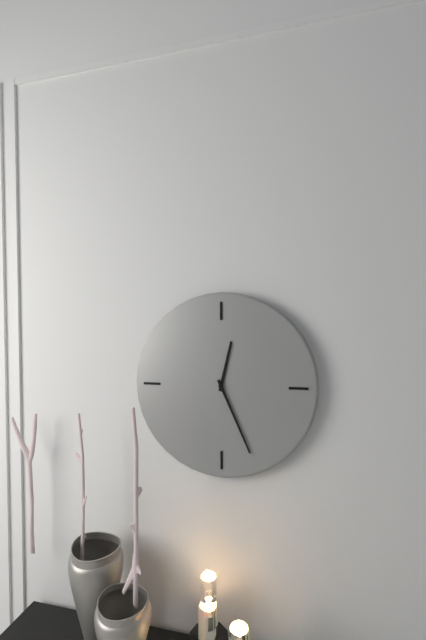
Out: 12,26
